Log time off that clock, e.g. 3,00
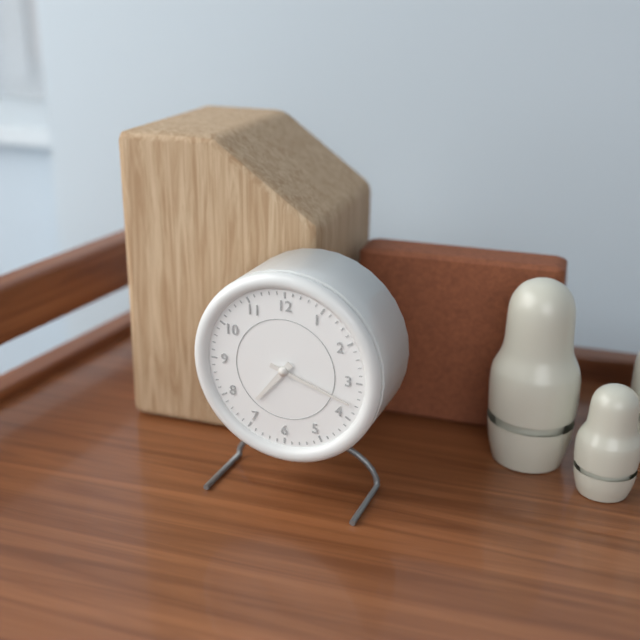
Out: 7,18
